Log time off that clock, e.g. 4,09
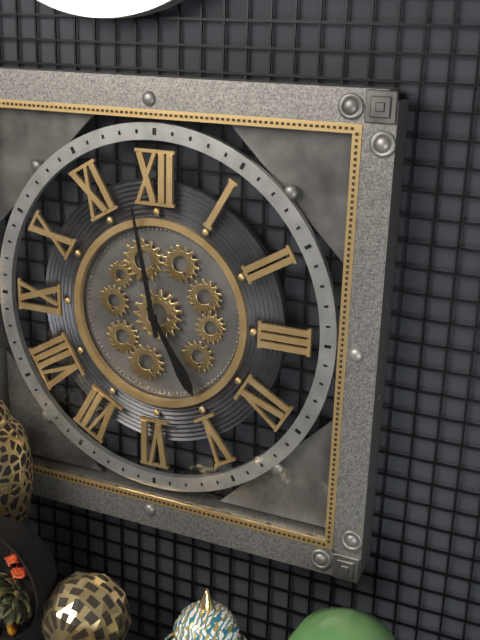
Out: 4,58
